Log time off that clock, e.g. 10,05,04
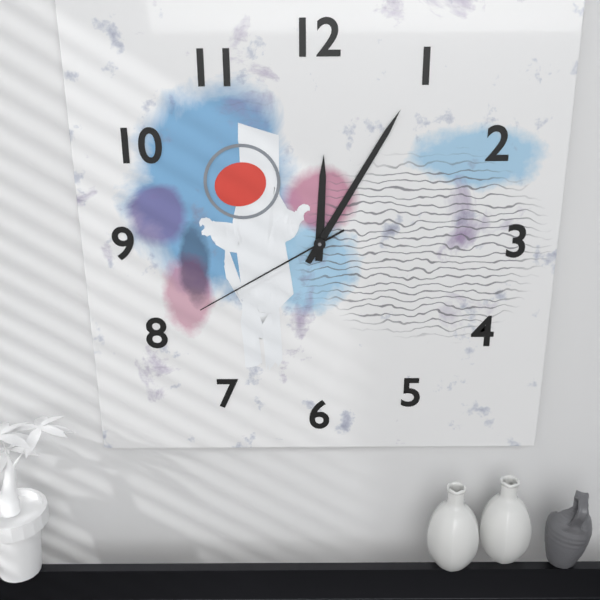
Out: 12,05,40
